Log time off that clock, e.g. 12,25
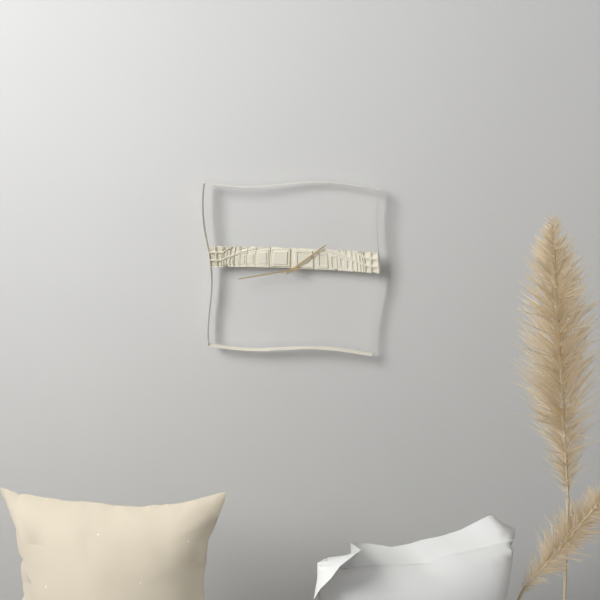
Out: 1,43
